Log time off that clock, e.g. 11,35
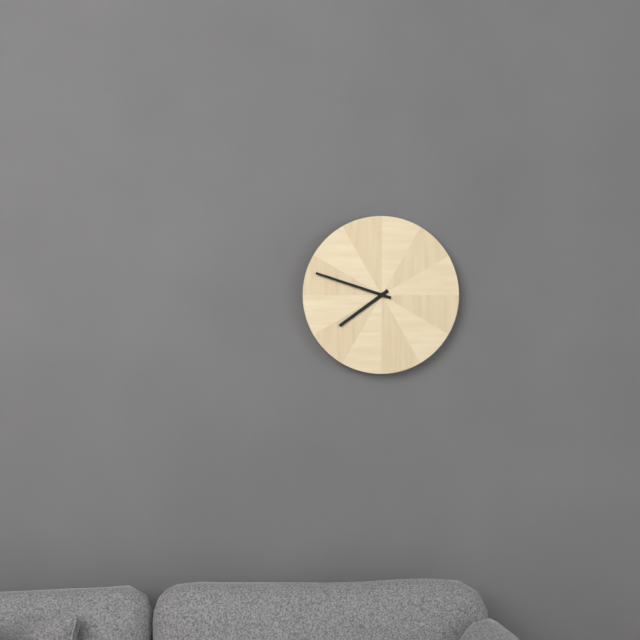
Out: 7,48
